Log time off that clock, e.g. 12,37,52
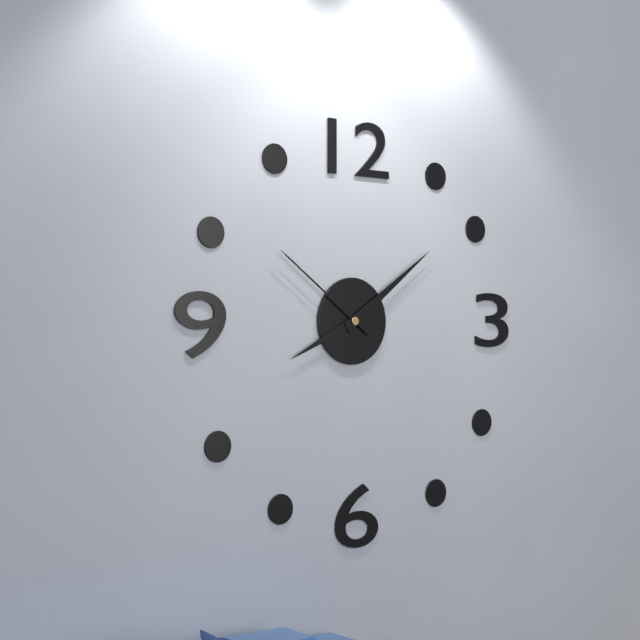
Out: 8,09,51
